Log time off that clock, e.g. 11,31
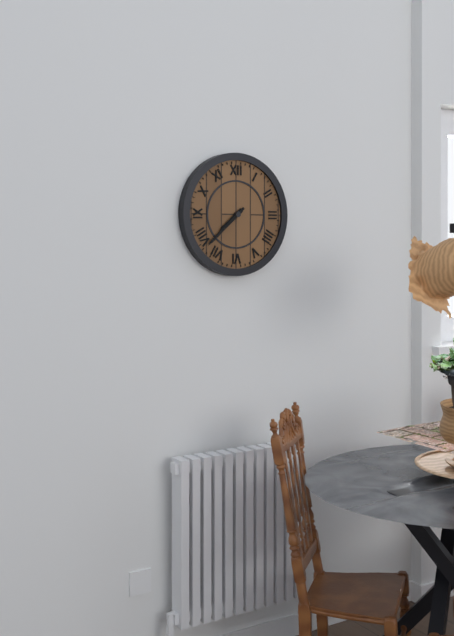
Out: 7,38
